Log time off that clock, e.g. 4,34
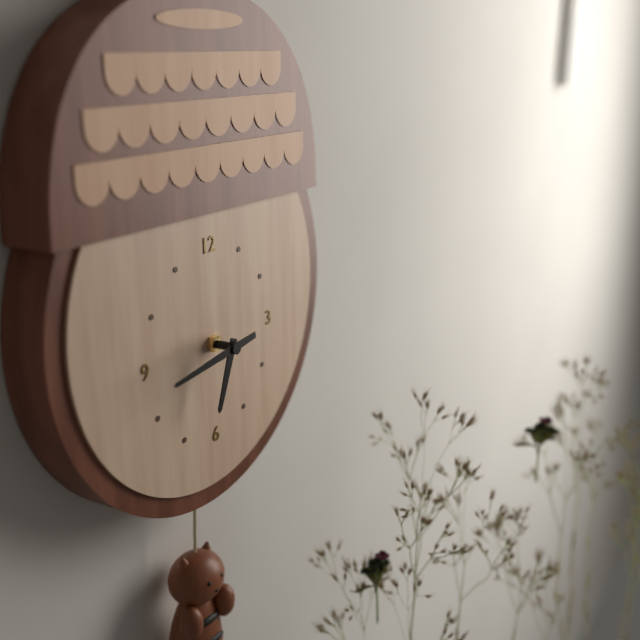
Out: 6,44
